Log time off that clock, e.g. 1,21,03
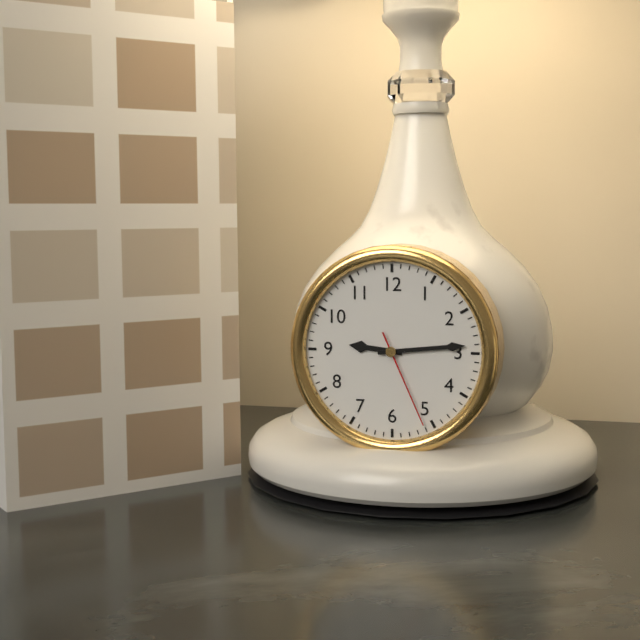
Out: 9,14,26
